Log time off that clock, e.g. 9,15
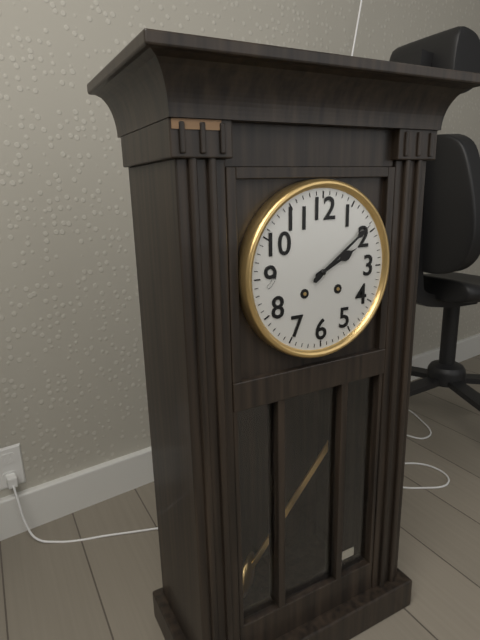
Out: 2,09
